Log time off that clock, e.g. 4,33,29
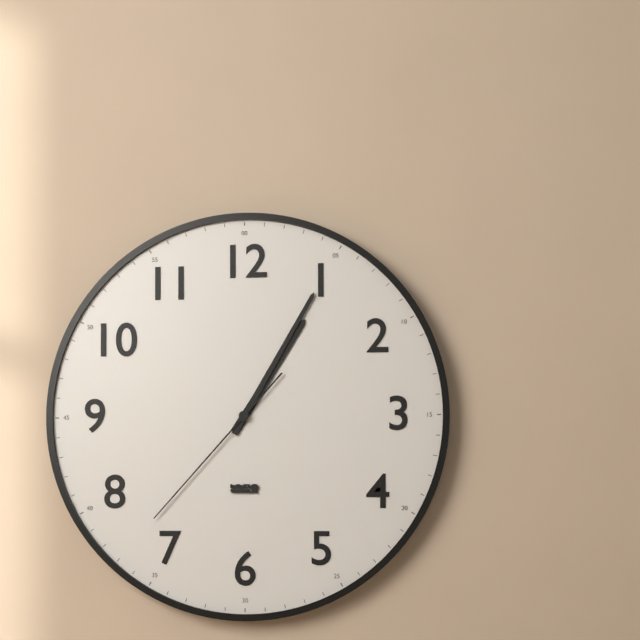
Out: 1,05,37
